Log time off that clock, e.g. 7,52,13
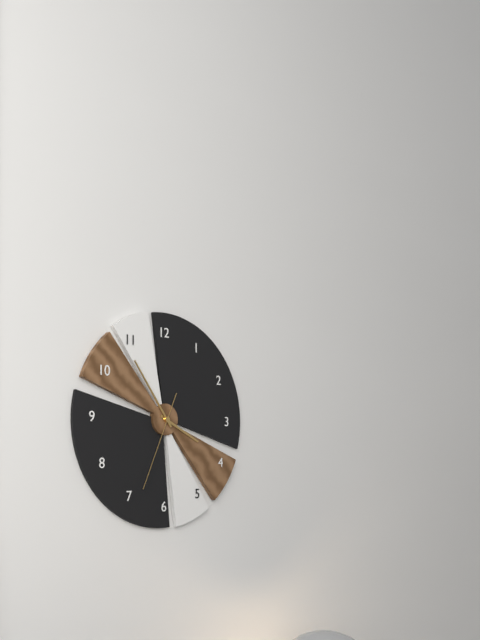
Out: 3,54,34
